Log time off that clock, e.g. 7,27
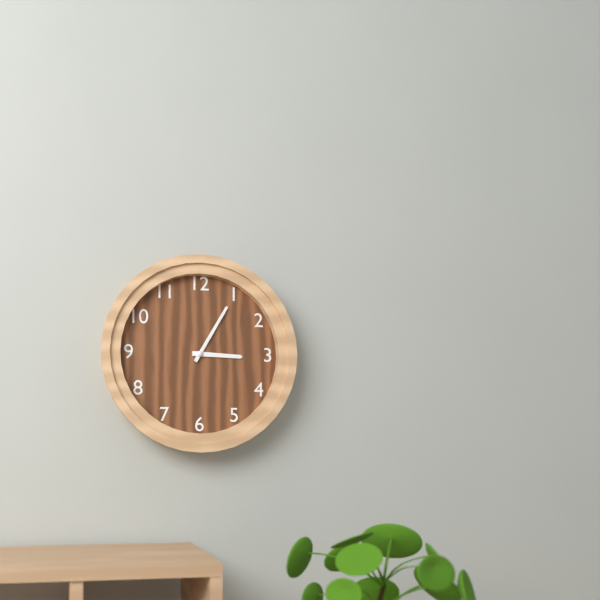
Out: 3,05
